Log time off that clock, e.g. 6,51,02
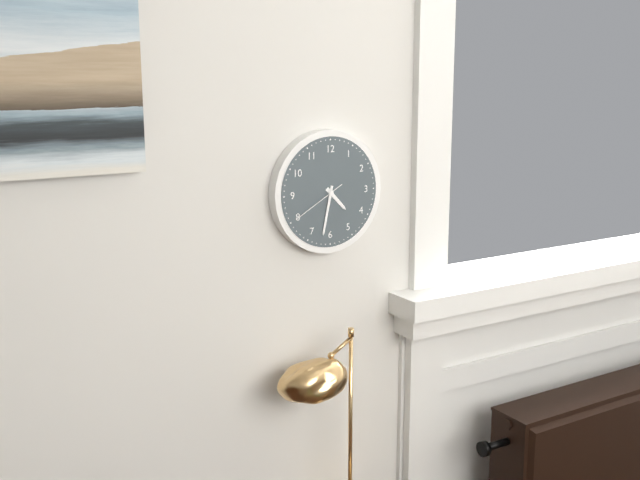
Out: 4,32,40
